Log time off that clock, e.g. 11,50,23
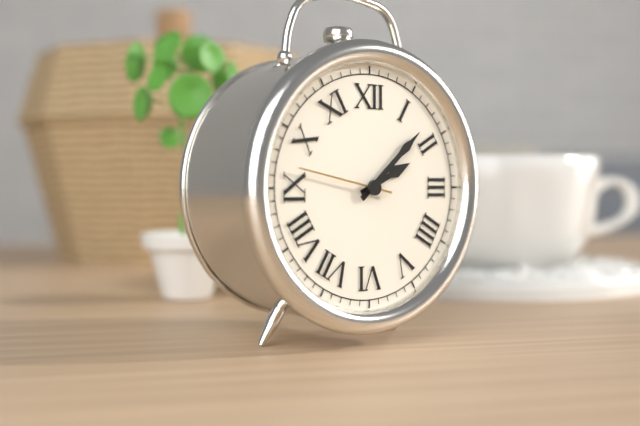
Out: 2,08,47
